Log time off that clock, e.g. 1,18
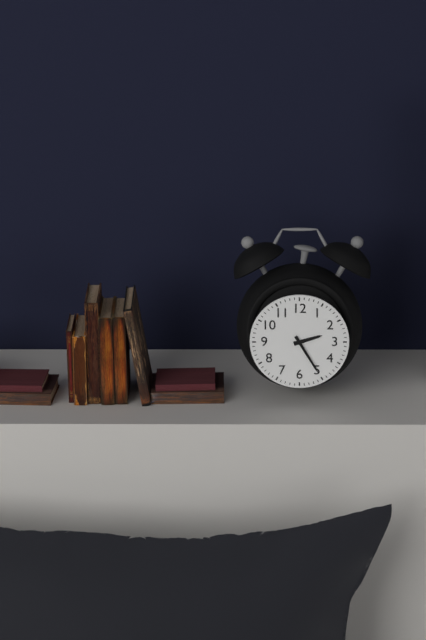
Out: 2,25
